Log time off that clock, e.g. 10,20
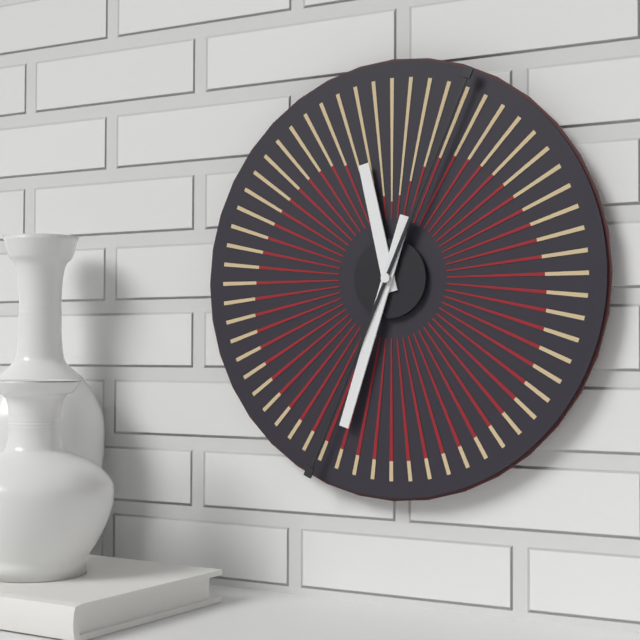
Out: 11,33
